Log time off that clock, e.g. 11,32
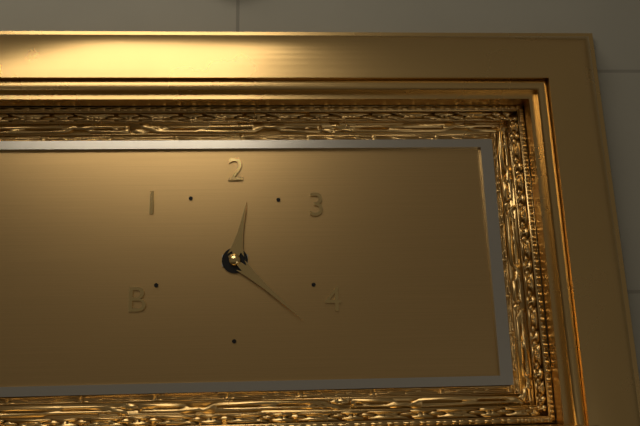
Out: 12,22
